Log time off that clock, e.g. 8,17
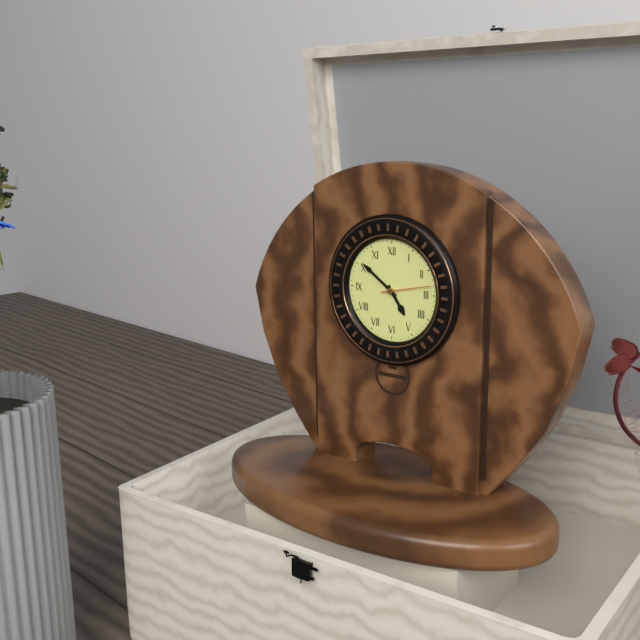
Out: 4,51
